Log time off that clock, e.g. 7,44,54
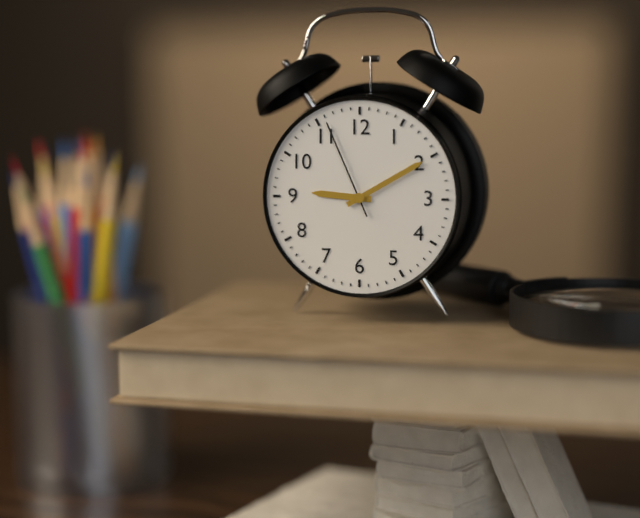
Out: 9,10,56
